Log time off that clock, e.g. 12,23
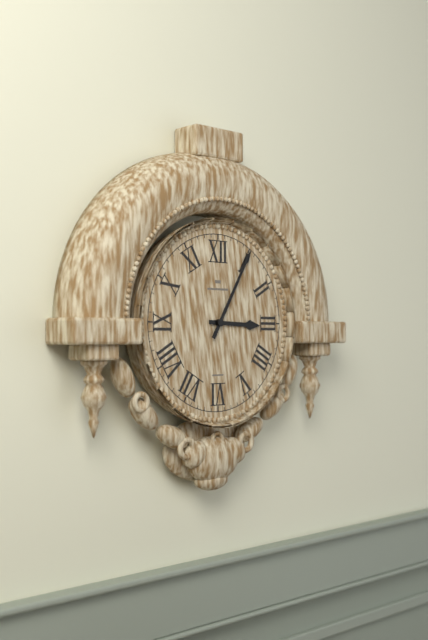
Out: 3,05
